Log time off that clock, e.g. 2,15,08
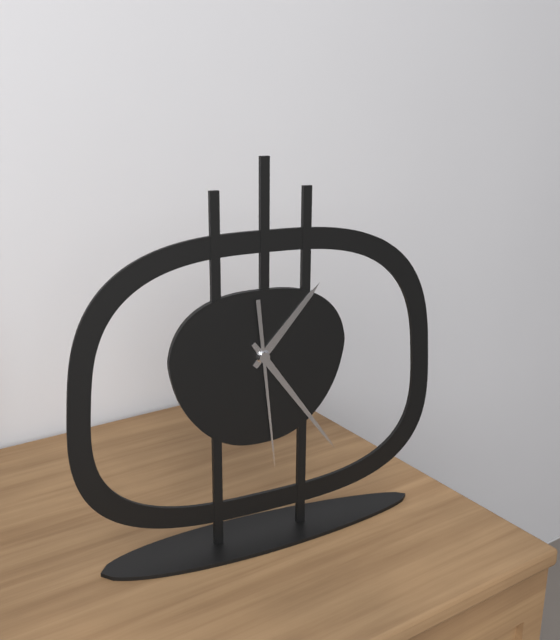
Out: 1,24,29
